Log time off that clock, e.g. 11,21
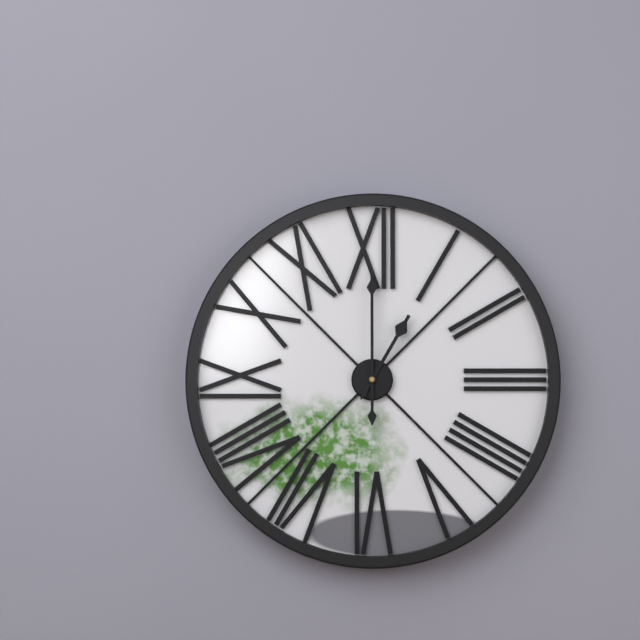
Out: 1,00
